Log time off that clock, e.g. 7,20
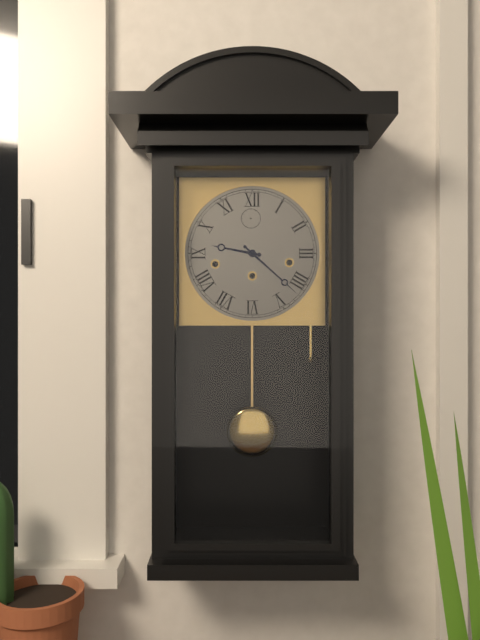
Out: 9,22
